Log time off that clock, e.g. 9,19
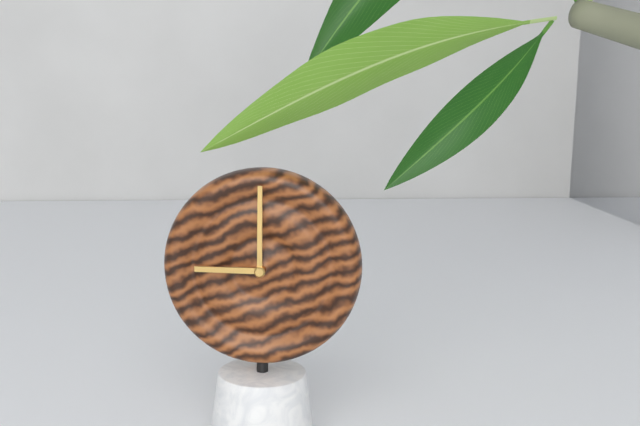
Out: 9,00
